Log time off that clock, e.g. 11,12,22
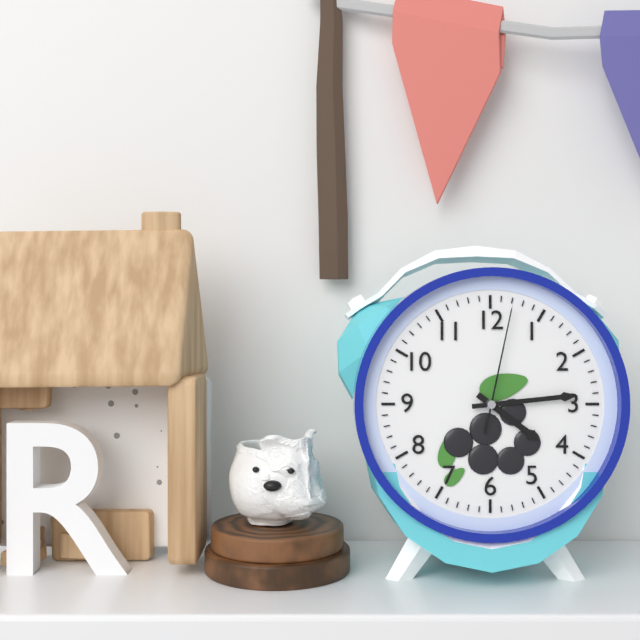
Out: 4,14,02
